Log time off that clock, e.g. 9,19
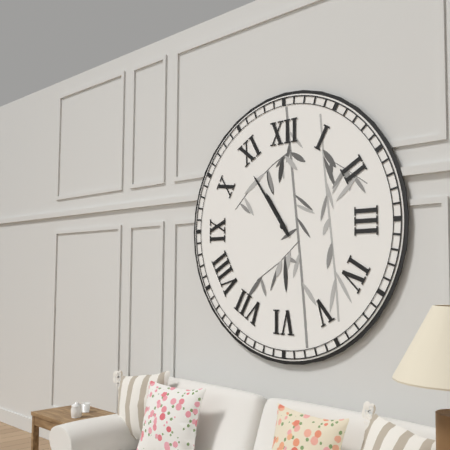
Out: 10,54
